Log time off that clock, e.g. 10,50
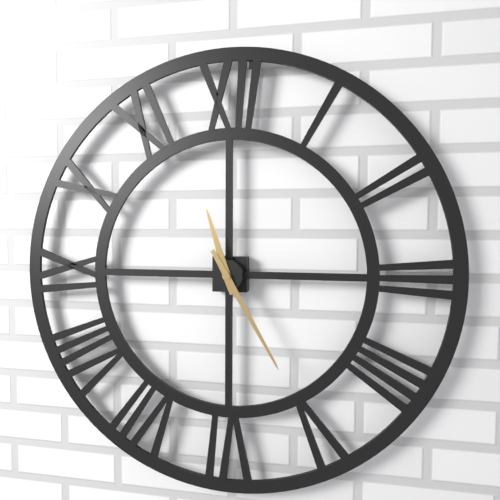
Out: 11,25
